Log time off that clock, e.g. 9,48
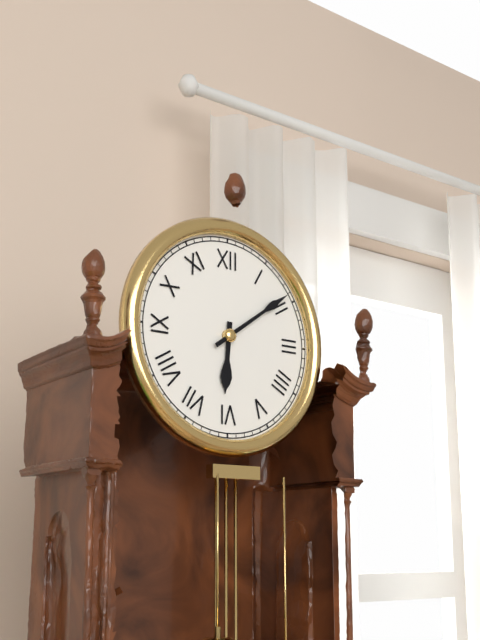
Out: 6,09
